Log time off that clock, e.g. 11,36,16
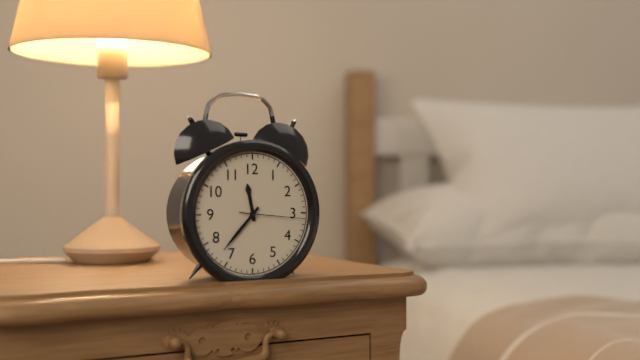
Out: 11,37,16
